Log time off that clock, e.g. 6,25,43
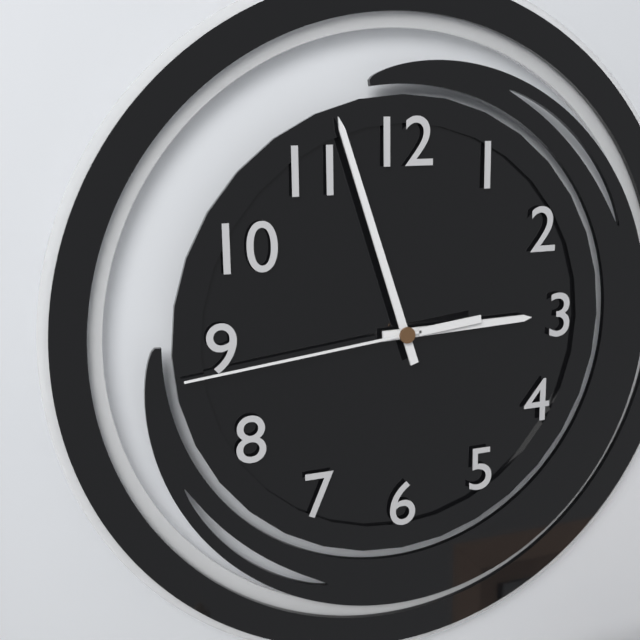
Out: 2,57,44
